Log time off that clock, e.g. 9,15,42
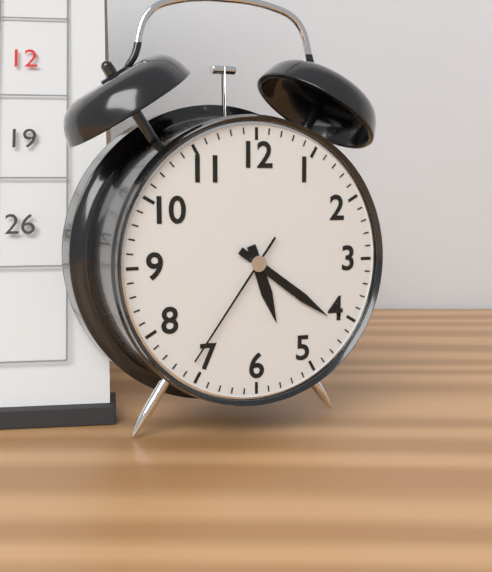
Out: 5,21,36
